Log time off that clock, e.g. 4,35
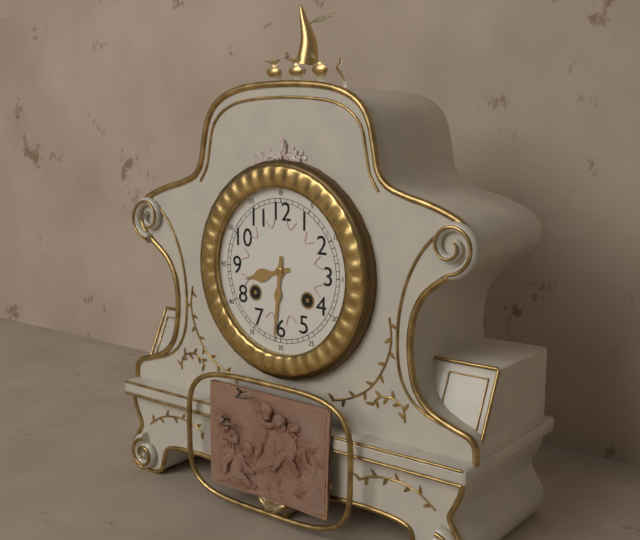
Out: 8,31
